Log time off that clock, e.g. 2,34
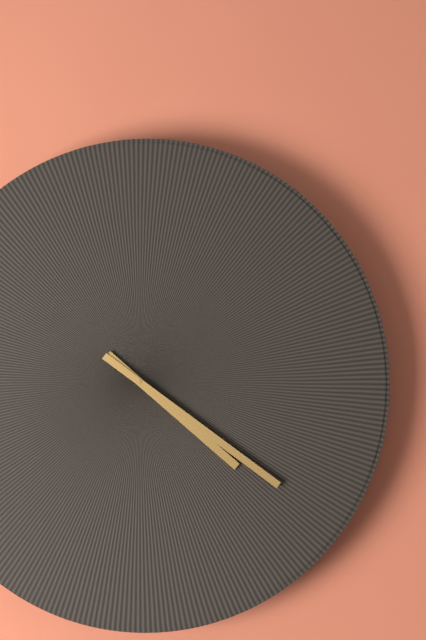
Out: 4,21
